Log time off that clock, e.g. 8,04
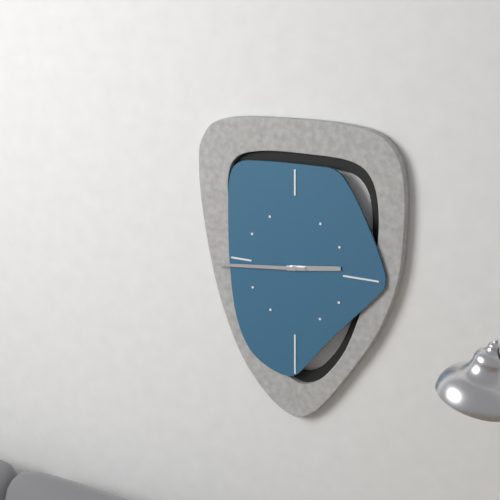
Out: 2,44
